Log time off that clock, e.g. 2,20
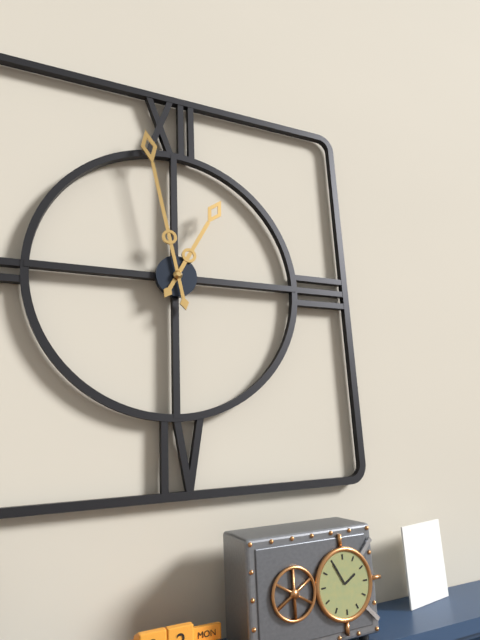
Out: 12,58
